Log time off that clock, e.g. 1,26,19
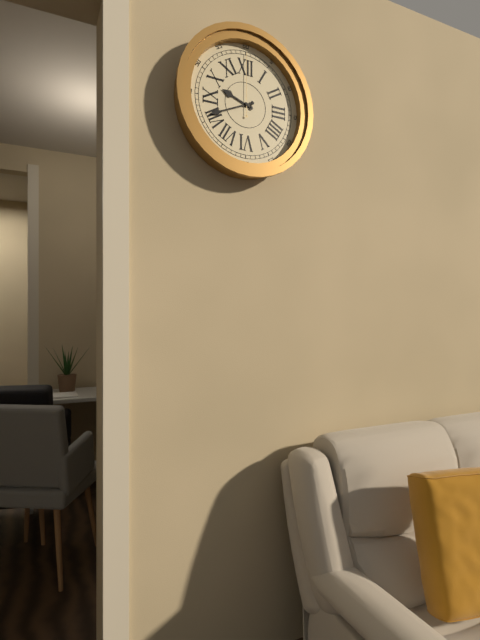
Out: 9,41,00
